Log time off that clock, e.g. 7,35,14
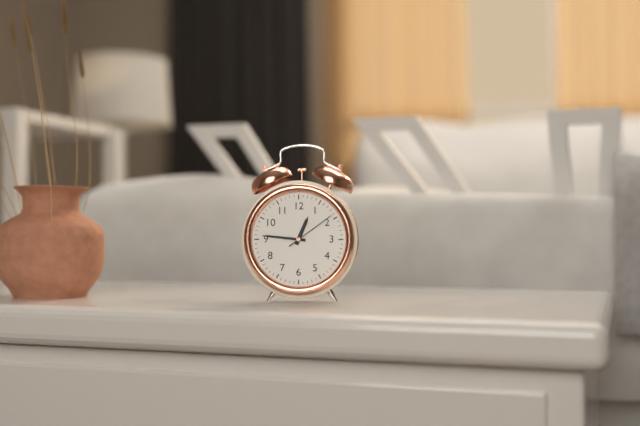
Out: 12,46,09
